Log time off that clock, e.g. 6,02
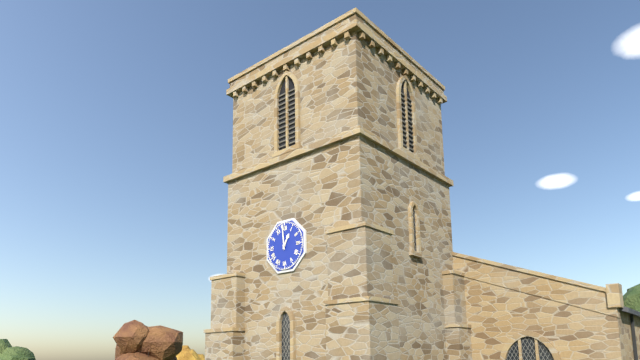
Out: 12,59
